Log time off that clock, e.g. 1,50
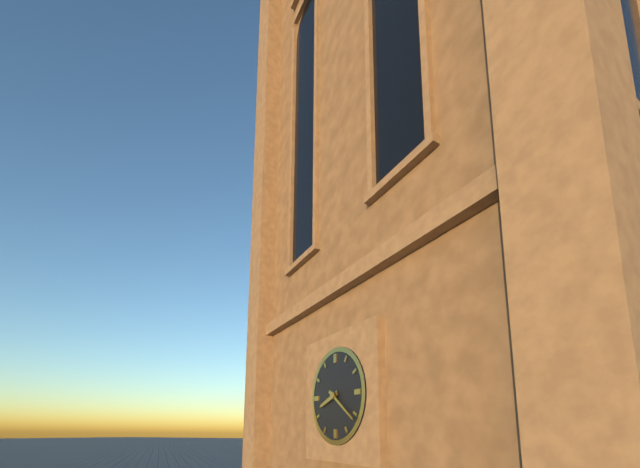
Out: 8,21
